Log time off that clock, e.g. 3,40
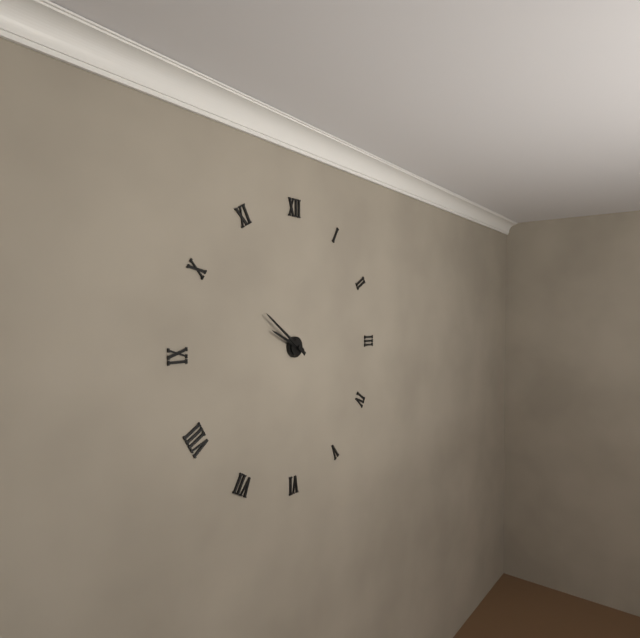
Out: 9,51
